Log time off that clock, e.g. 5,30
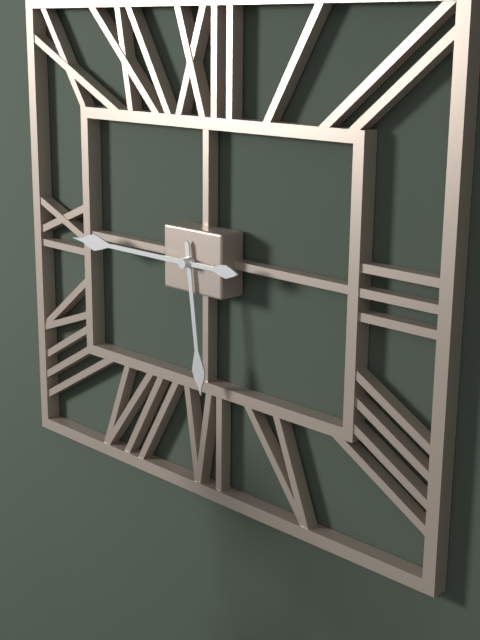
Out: 5,45
